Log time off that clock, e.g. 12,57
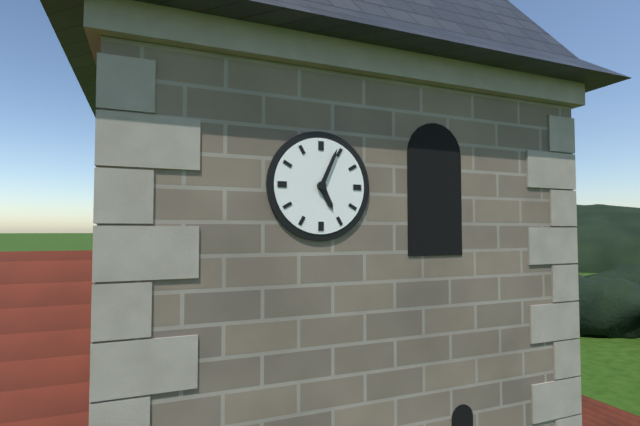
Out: 5,04
